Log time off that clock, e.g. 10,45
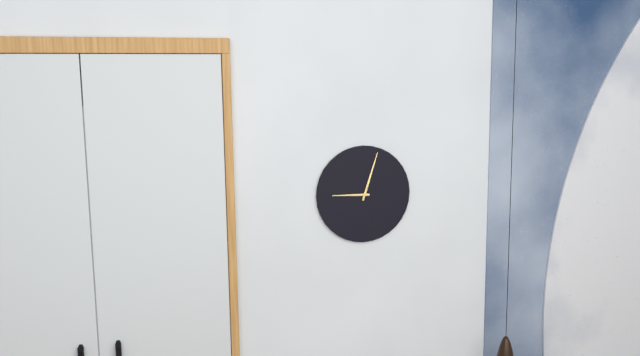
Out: 9,03
